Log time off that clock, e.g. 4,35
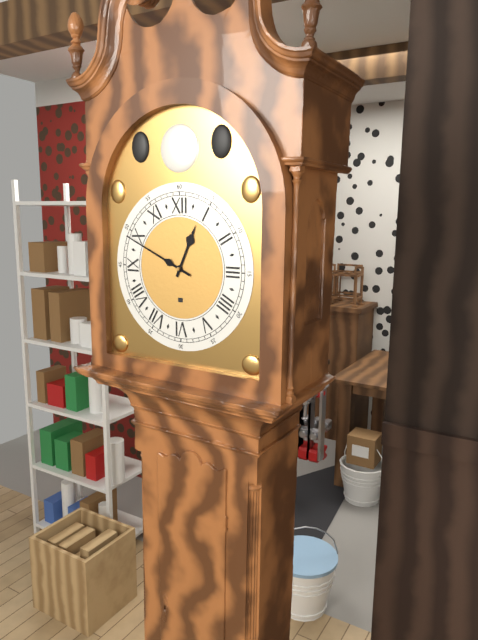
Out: 12,49
